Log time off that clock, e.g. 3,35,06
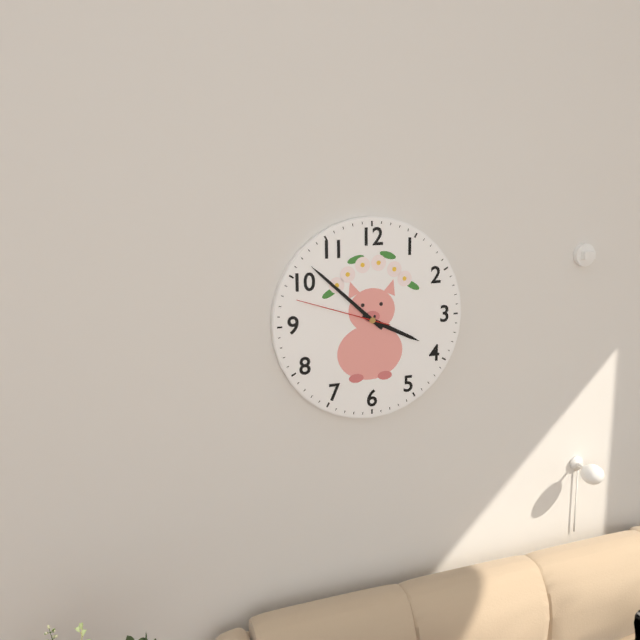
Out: 3,52,48
